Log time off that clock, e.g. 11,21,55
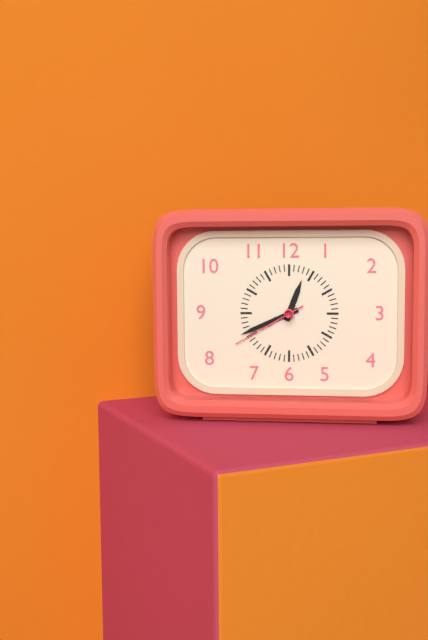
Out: 12,41,40
